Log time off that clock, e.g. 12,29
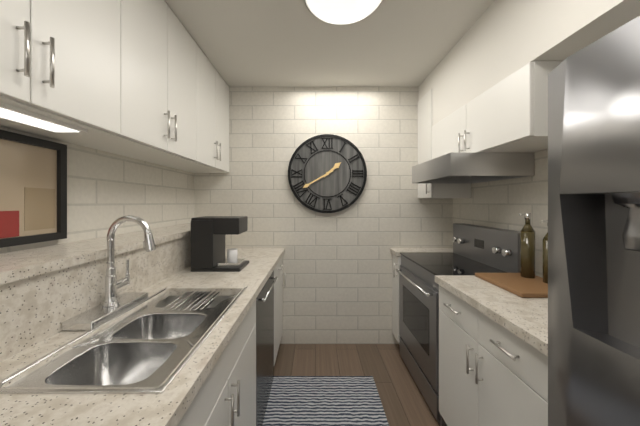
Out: 1,40
